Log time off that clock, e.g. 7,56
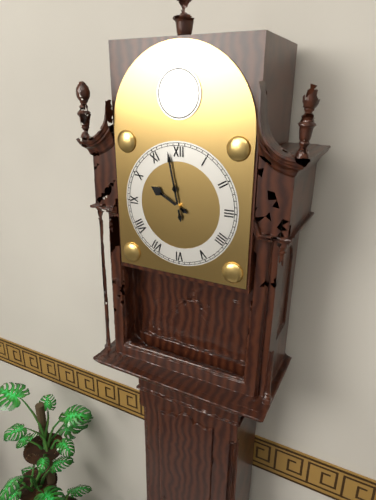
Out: 9,58
